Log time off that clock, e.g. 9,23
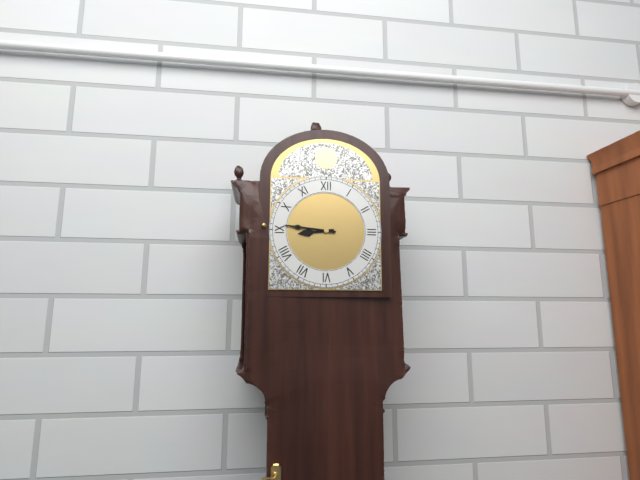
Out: 8,46
